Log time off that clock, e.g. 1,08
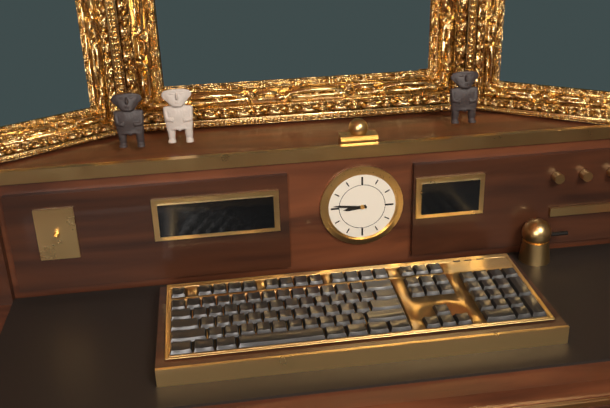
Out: 8,46
